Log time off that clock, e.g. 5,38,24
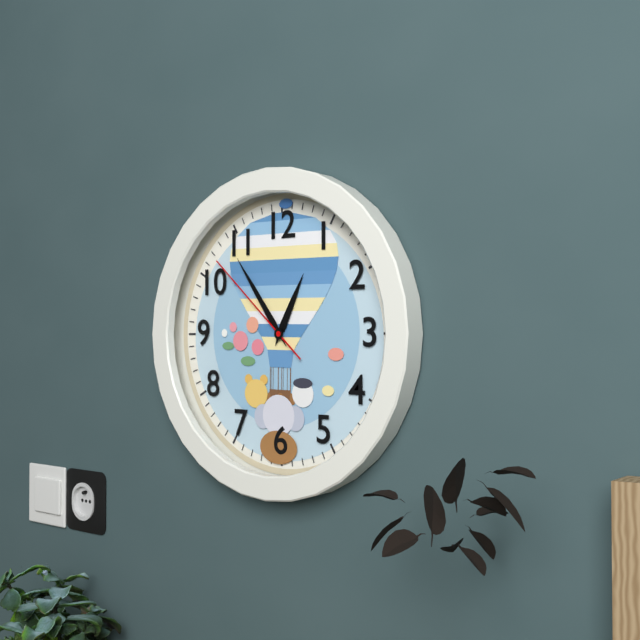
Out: 12,54,52
